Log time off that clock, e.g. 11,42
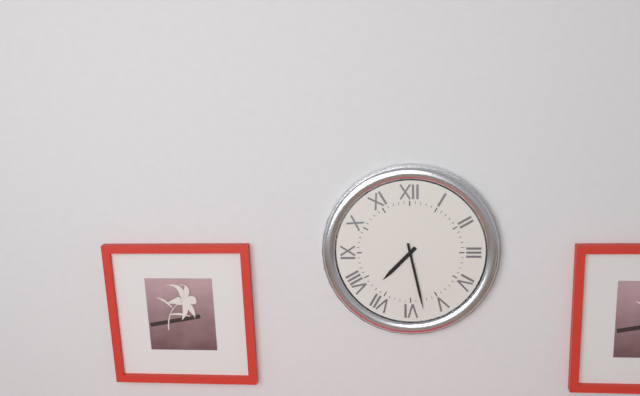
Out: 7,28
